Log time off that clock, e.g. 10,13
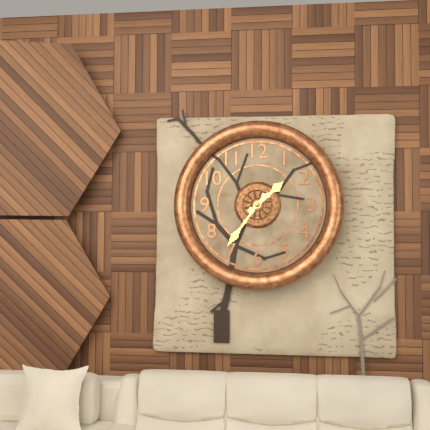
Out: 1,36
